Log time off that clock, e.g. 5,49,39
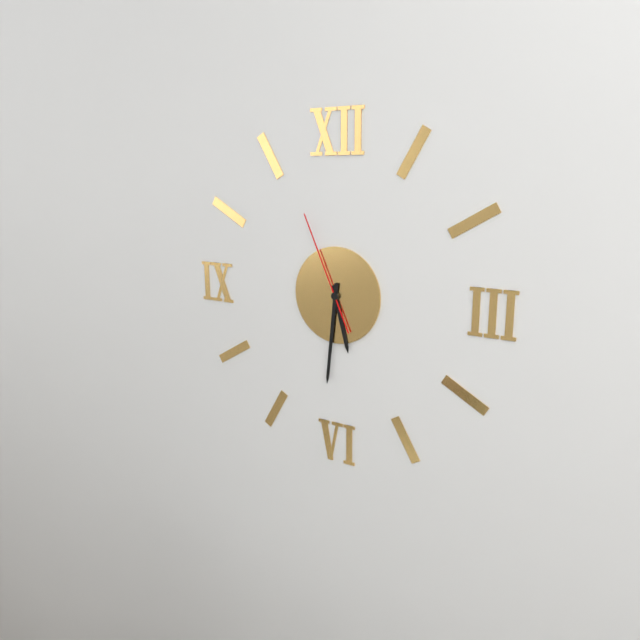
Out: 5,31,56
